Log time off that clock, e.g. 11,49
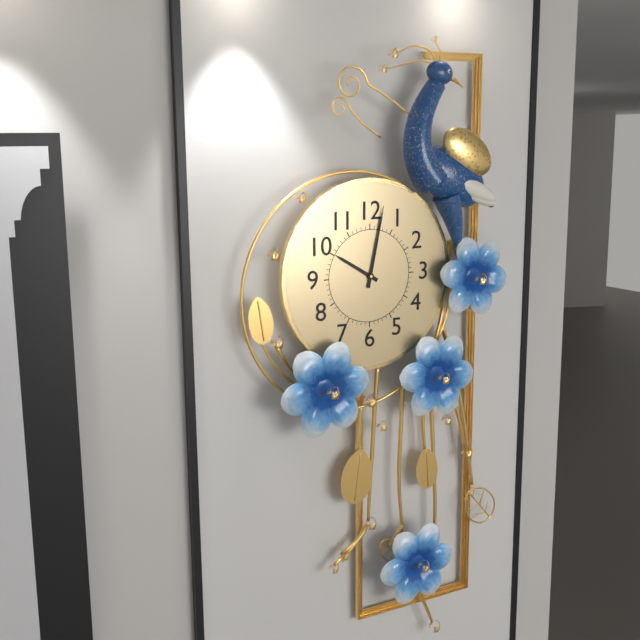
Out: 10,02
